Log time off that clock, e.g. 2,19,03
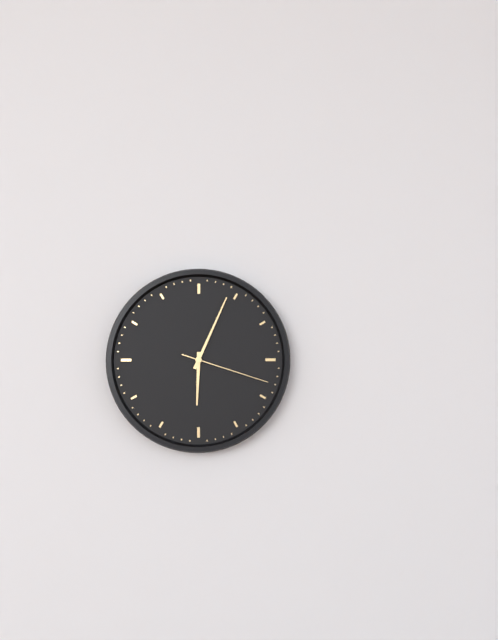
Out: 6,04,18
